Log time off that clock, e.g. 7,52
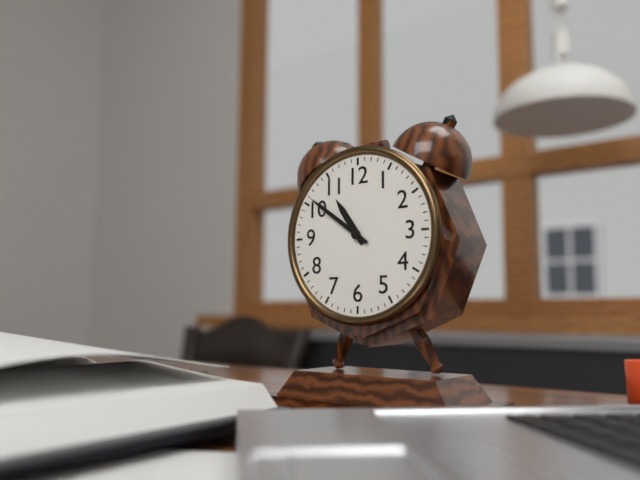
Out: 10,51
